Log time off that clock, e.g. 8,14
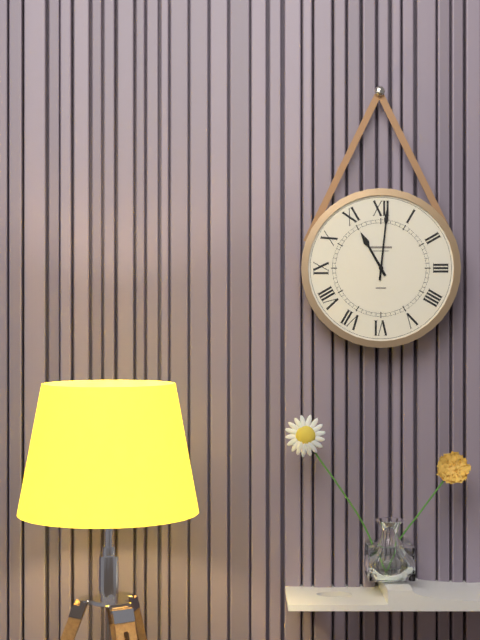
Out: 11,01
